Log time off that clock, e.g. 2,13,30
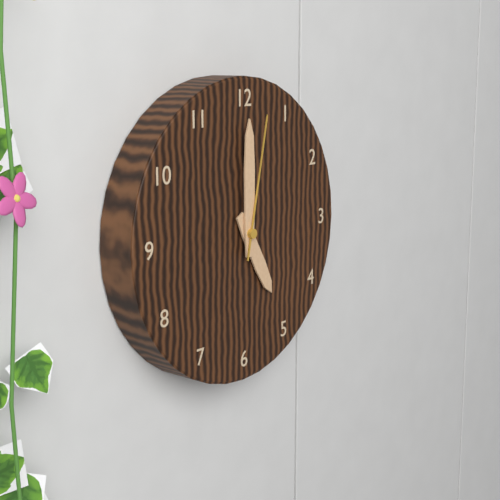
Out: 5,00,02
